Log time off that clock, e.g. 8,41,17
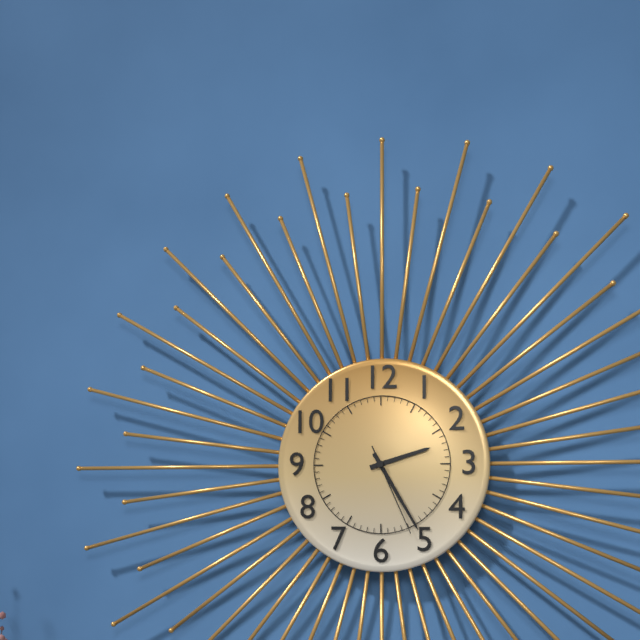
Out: 2,25,26
